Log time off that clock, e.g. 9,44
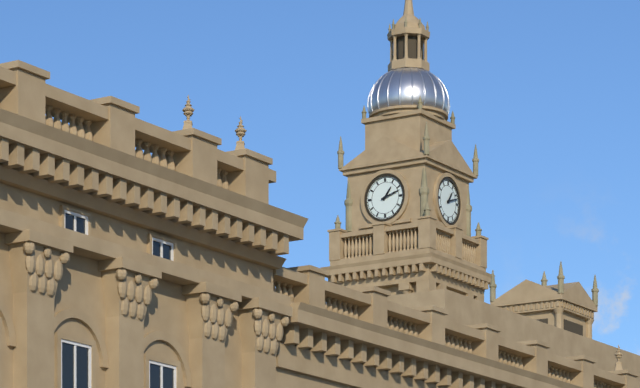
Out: 1,12
